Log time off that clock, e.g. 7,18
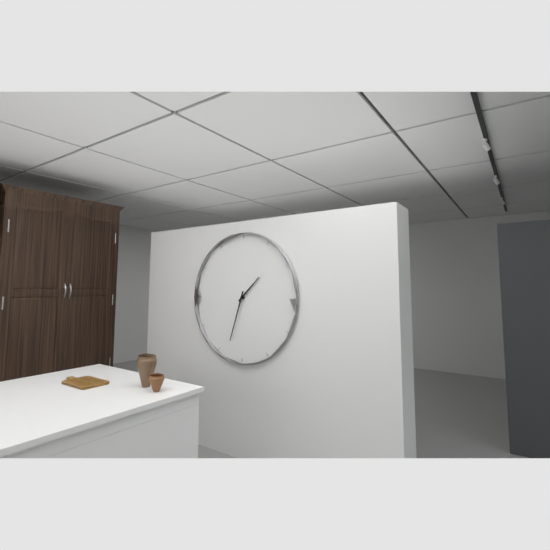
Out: 1,33
